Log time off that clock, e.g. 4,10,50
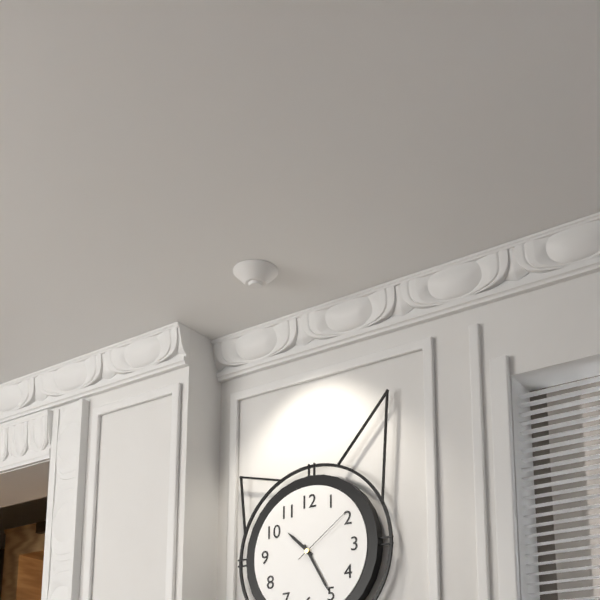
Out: 10,25,09
